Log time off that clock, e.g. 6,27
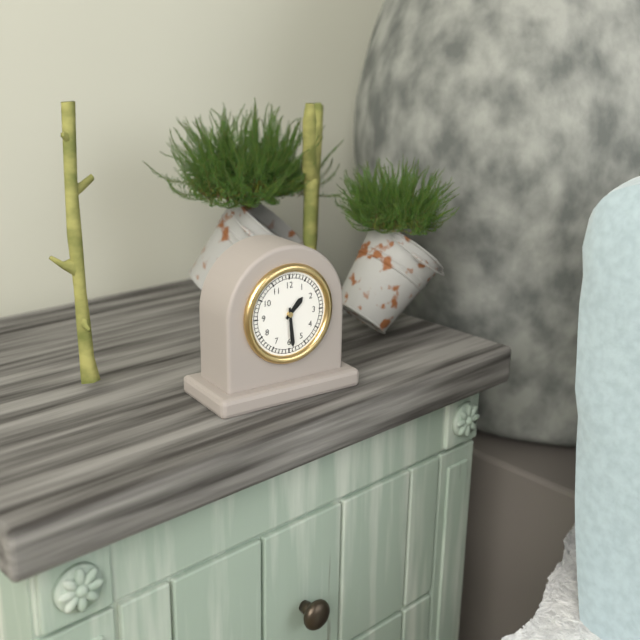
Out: 1,29
